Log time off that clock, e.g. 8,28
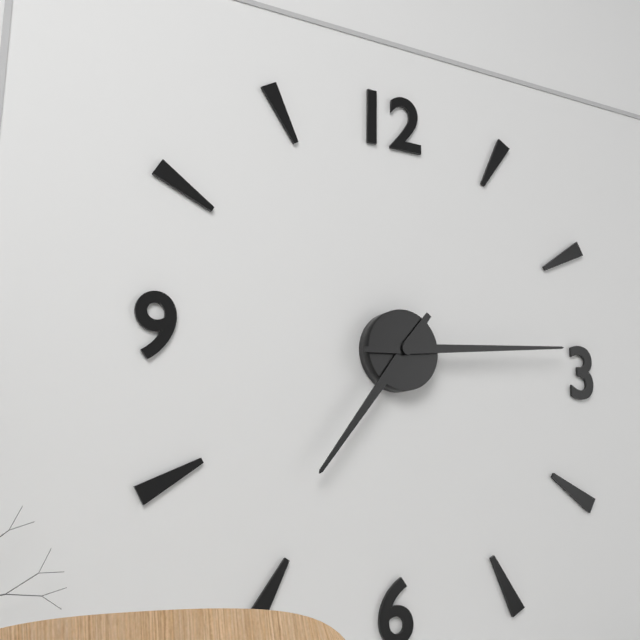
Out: 7,14
